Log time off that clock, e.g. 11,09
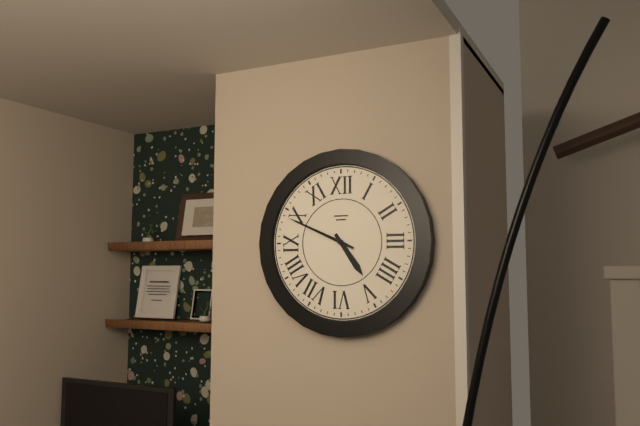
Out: 4,49
